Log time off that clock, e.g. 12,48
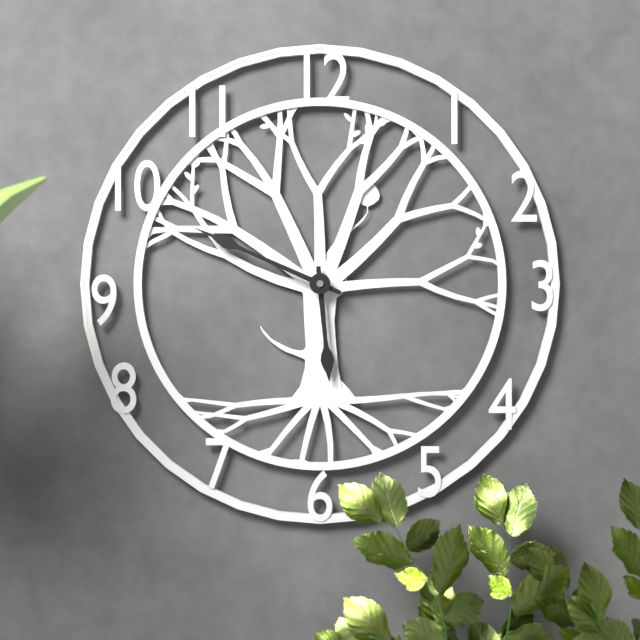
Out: 5,49
